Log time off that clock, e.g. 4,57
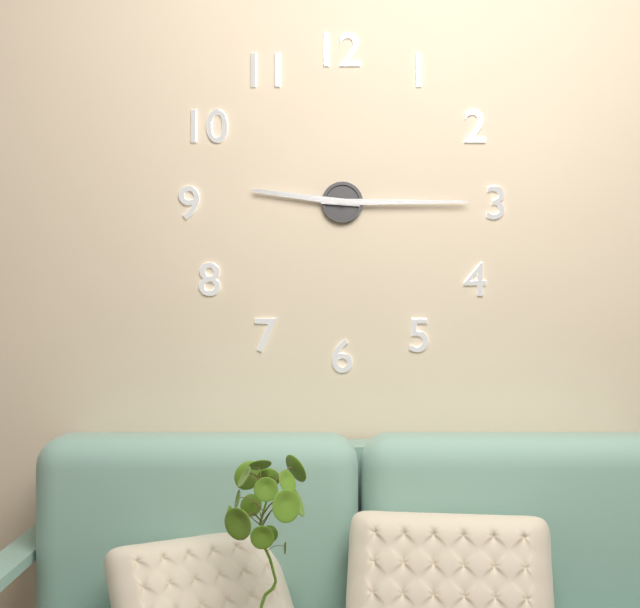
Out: 9,15
